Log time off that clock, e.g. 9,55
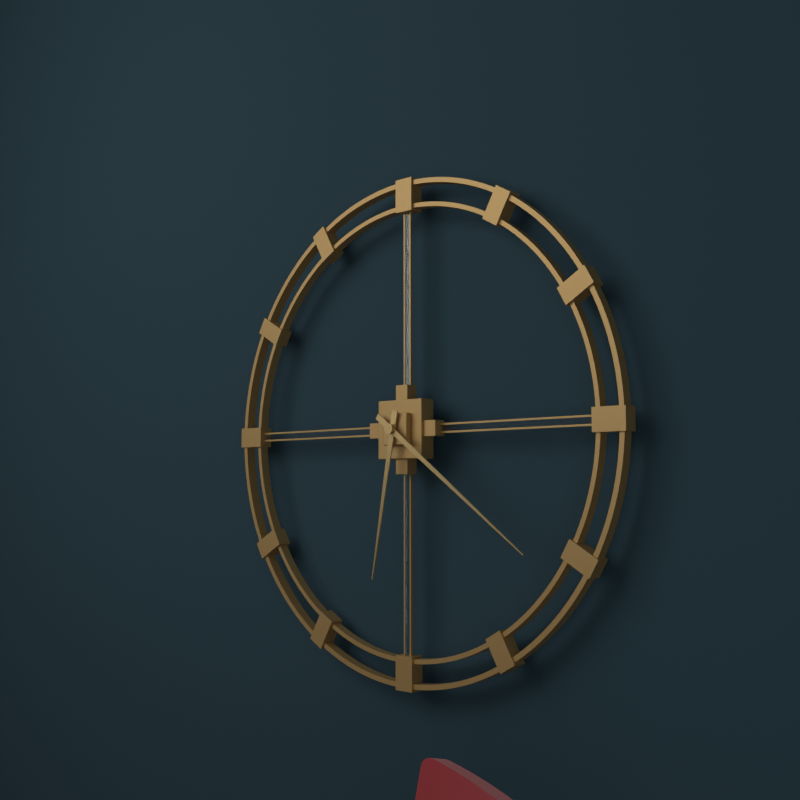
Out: 6,21
